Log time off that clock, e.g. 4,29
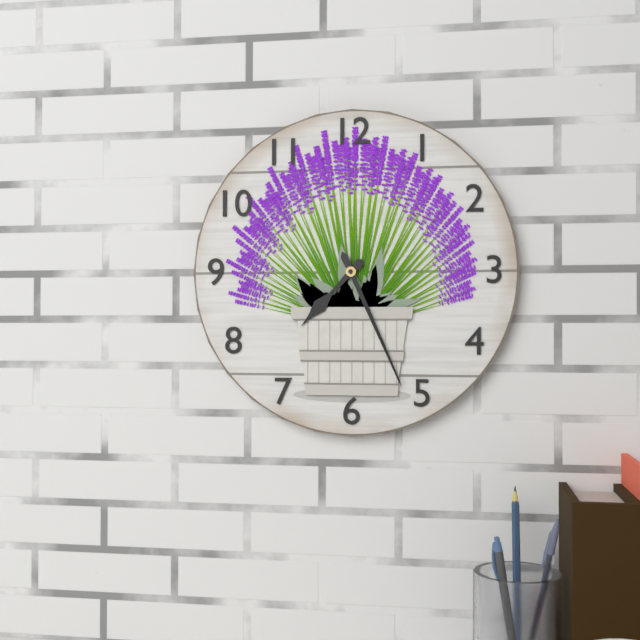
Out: 7,26
